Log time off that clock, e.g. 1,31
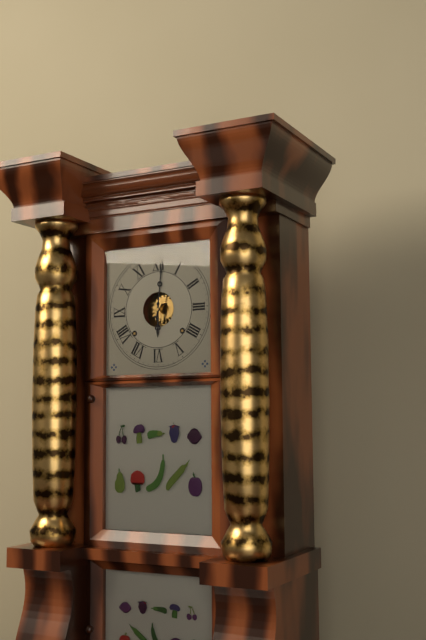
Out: 6,01
